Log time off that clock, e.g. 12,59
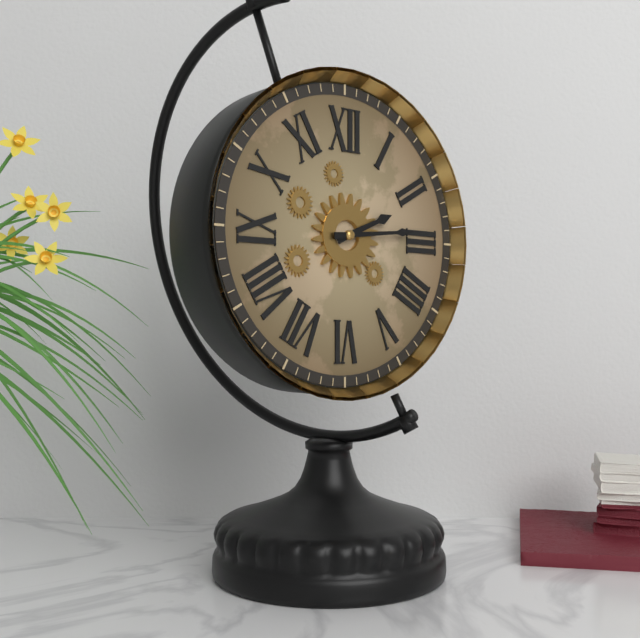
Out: 2,14
